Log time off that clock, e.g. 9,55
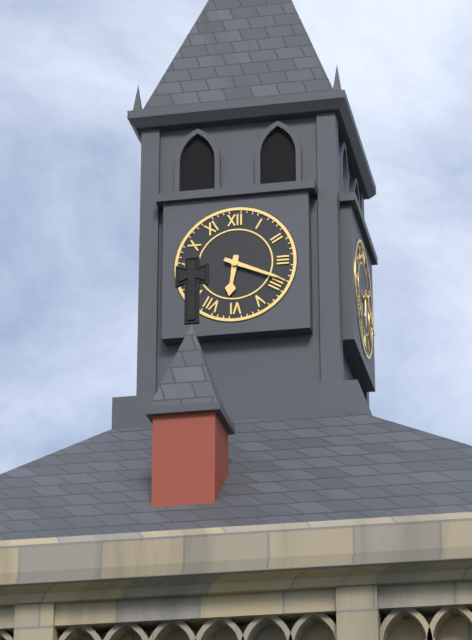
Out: 6,19
